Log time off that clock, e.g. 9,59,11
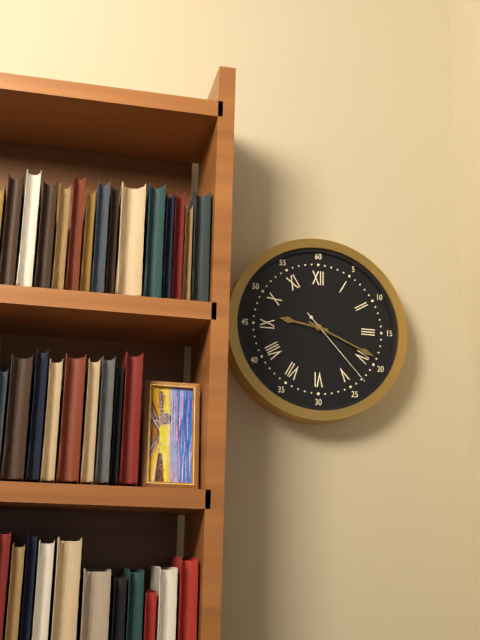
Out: 9,19,23
